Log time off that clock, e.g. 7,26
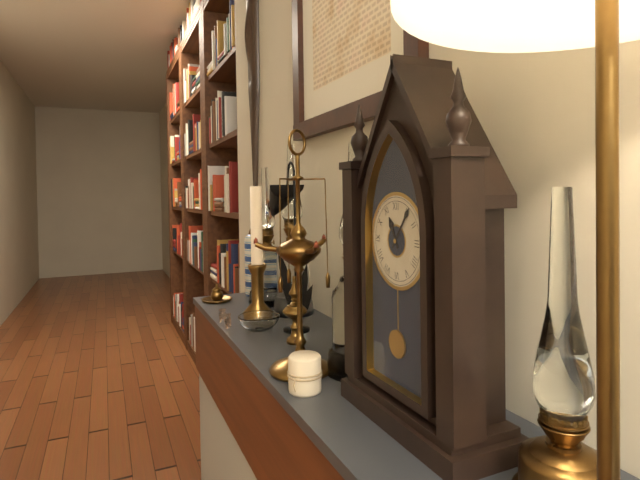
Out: 11,06
